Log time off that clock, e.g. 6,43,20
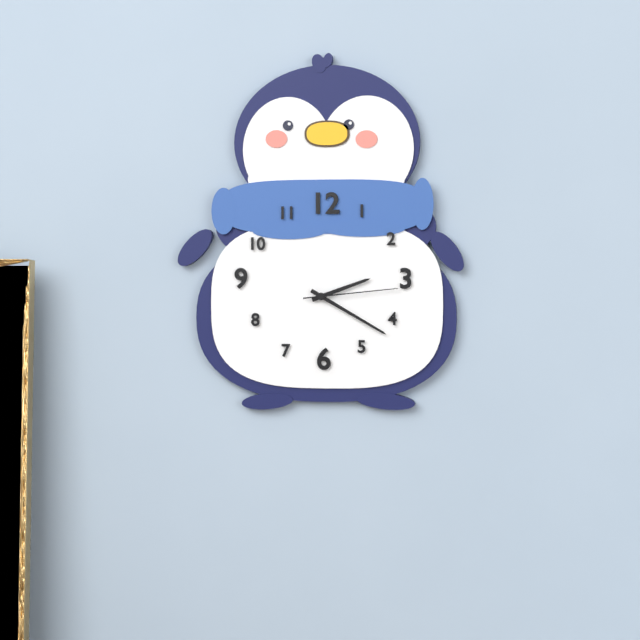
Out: 2,20,14
